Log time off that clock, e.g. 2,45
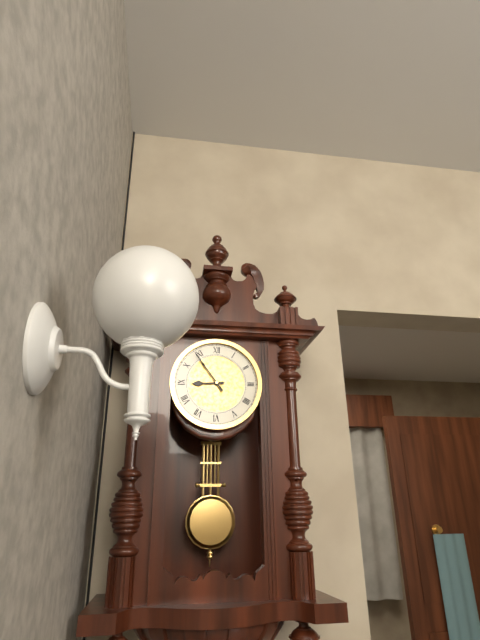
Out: 8,54
